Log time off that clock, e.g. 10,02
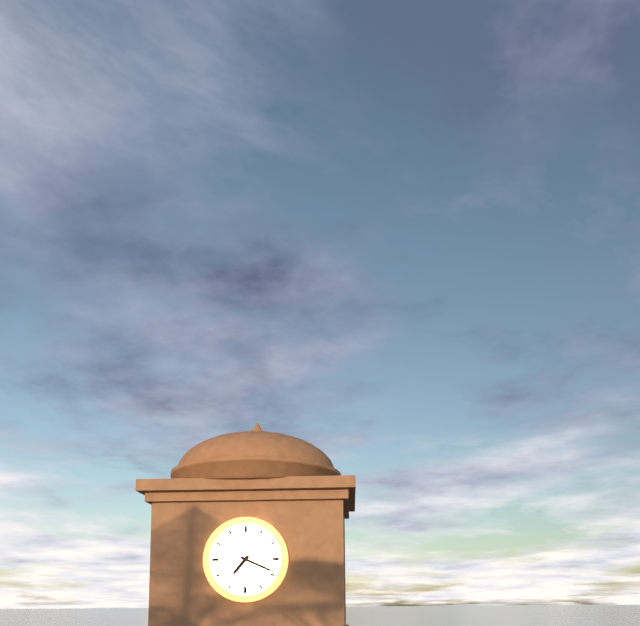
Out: 7,19
